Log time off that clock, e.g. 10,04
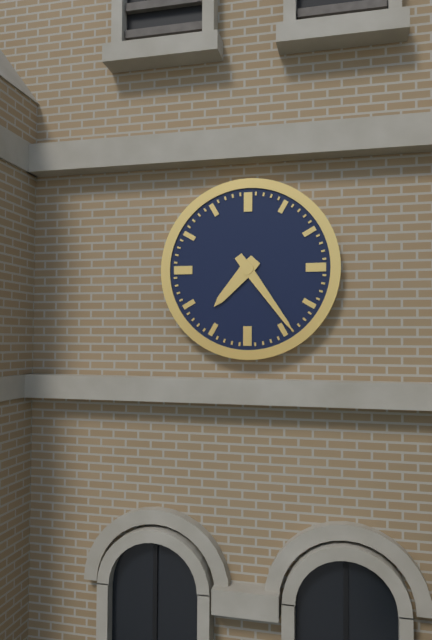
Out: 7,24
